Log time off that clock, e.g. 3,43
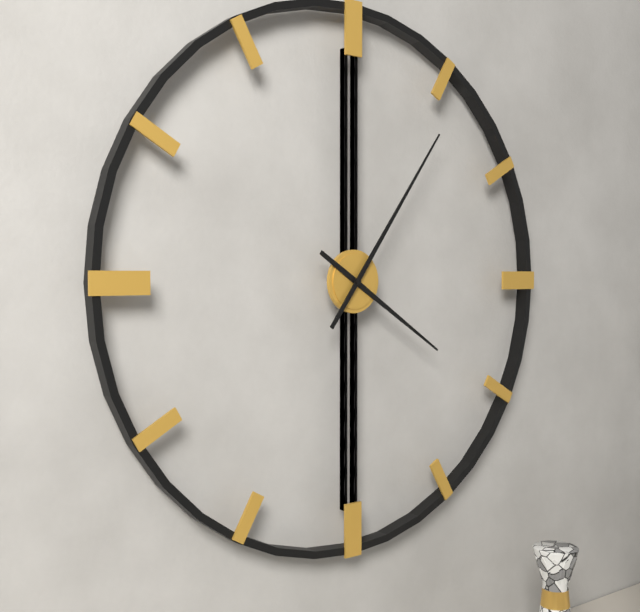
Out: 4,06
